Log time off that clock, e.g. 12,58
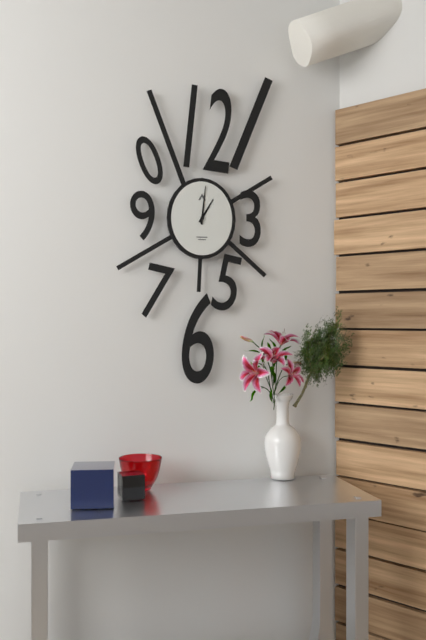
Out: 1,01
